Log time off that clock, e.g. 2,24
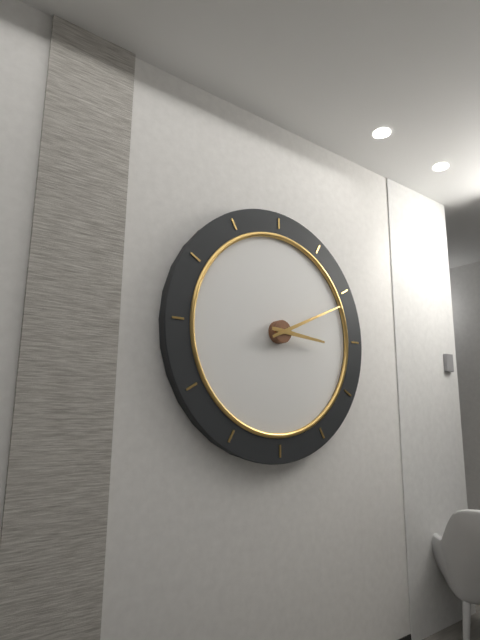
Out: 3,11
